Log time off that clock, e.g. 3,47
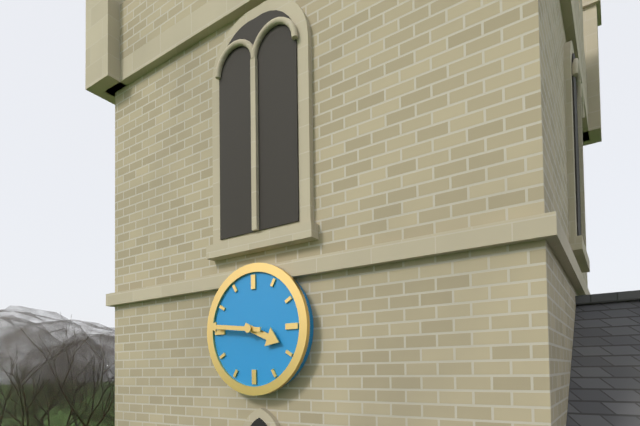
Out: 3,46
